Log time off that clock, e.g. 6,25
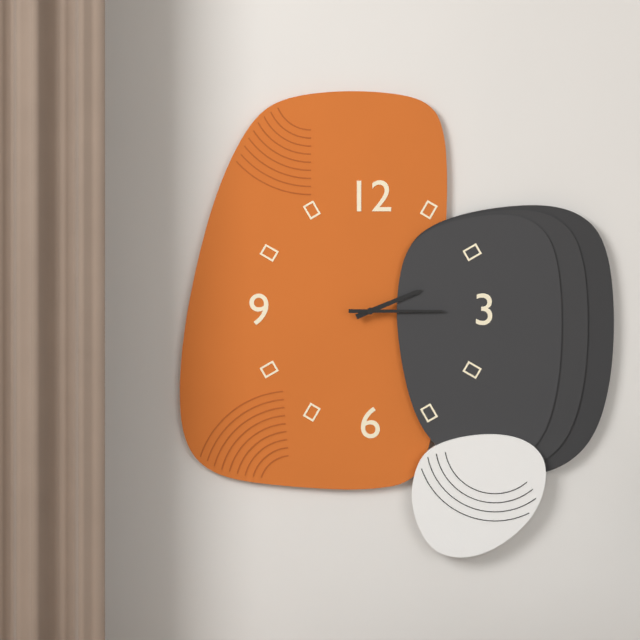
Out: 2,15
